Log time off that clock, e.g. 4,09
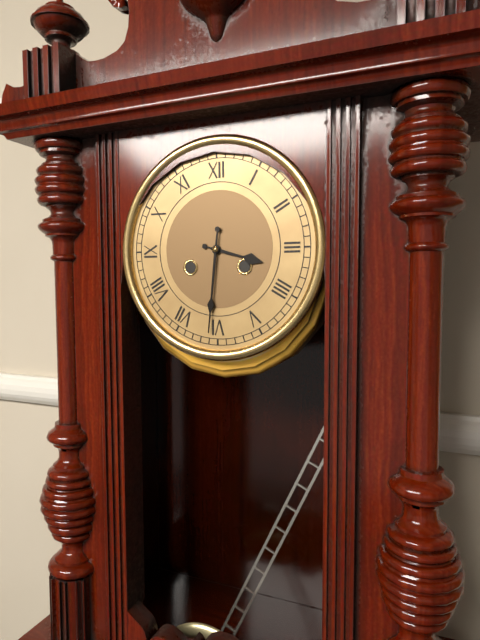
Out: 3,31
